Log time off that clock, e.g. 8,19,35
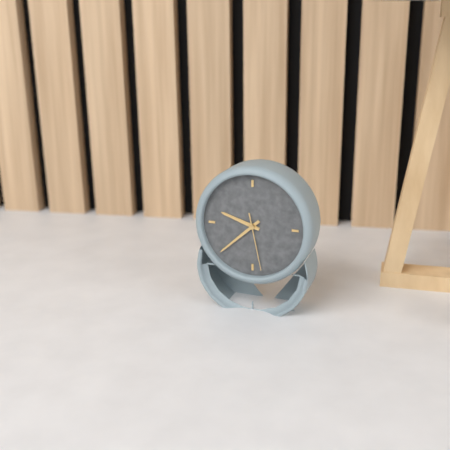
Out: 9,38,28
